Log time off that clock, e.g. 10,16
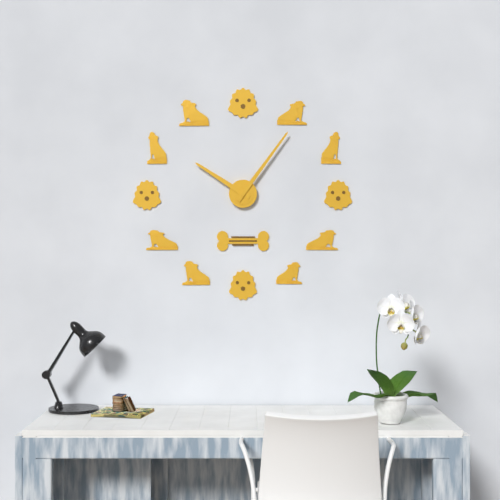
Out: 10,06
